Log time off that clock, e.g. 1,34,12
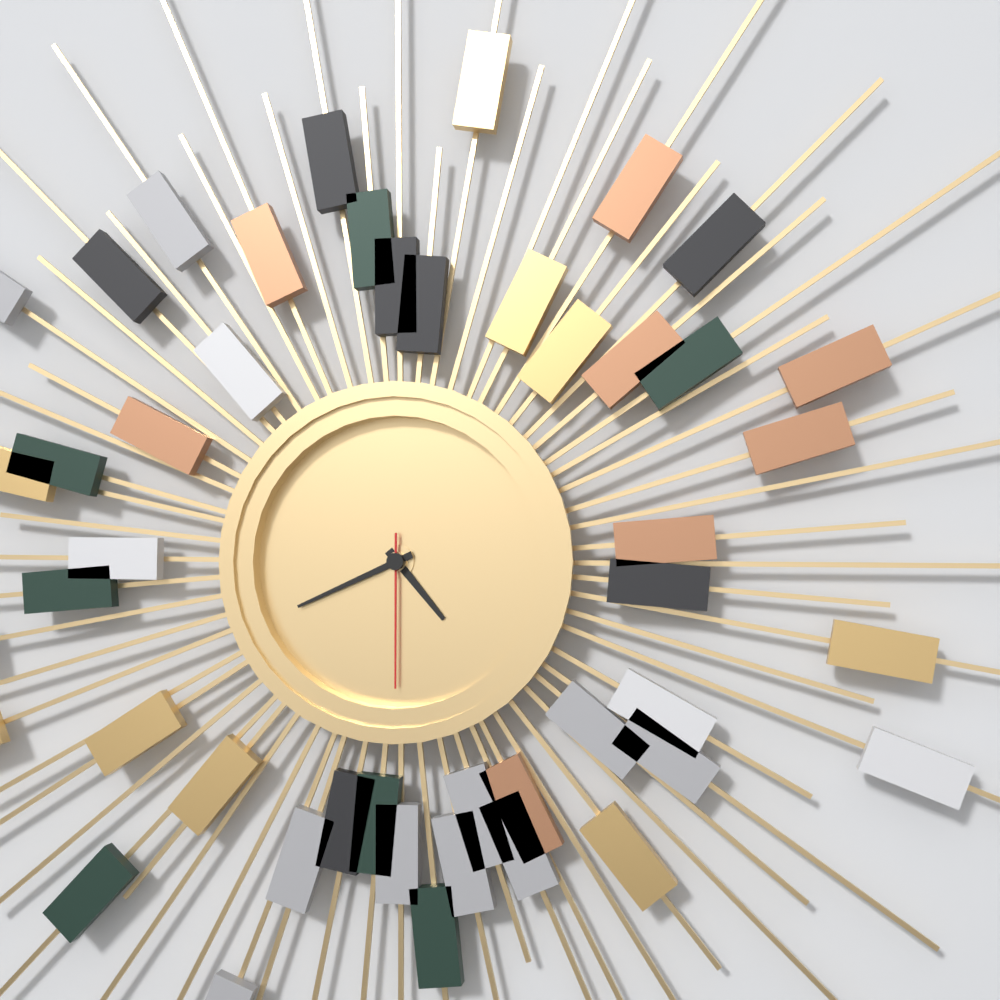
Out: 4,41,30
